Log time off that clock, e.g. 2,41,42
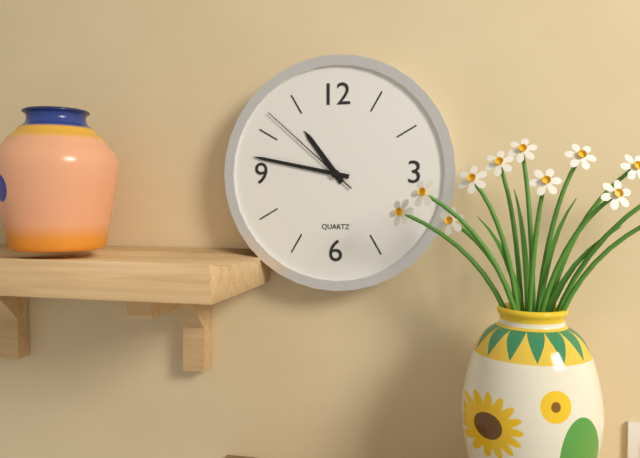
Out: 10,47,52
